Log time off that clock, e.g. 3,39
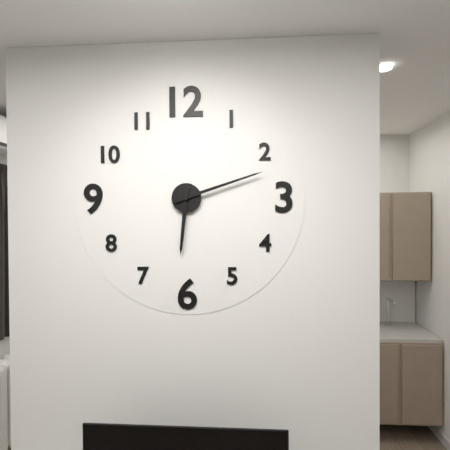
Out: 6,12
